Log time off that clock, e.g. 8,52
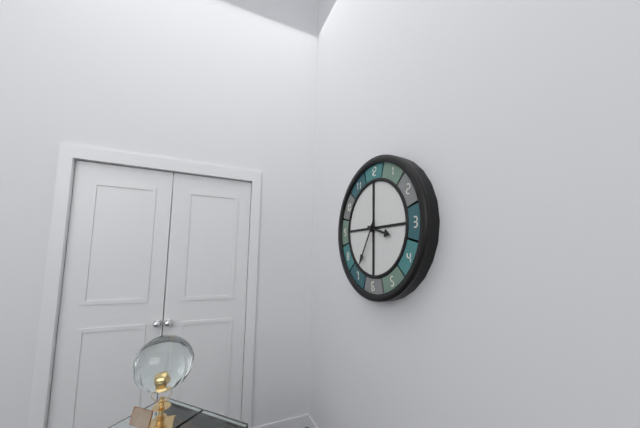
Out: 3,35
